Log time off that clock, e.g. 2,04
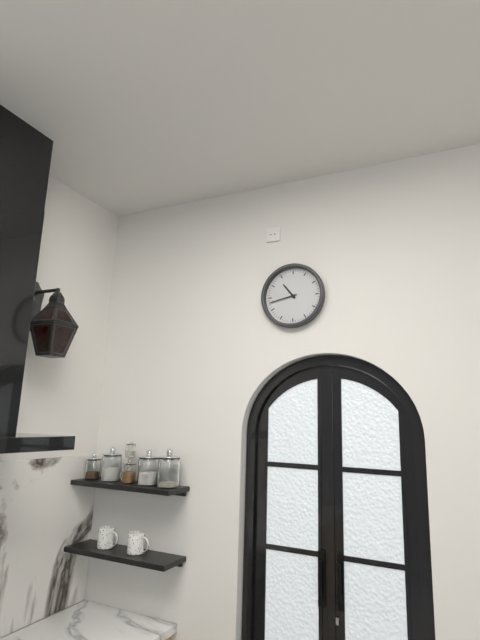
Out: 10,43
